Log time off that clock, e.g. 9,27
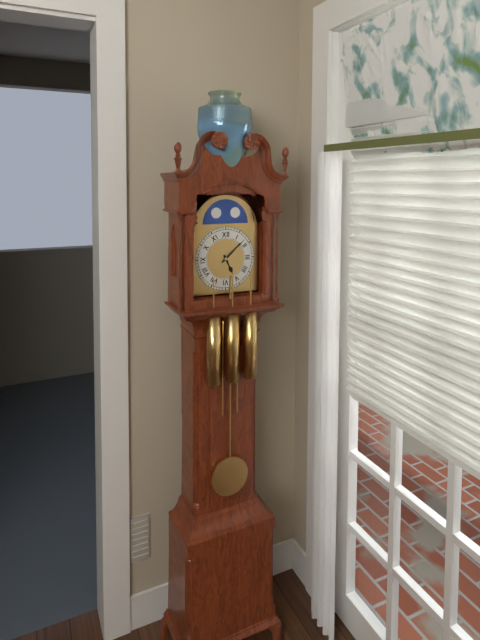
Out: 5,08
